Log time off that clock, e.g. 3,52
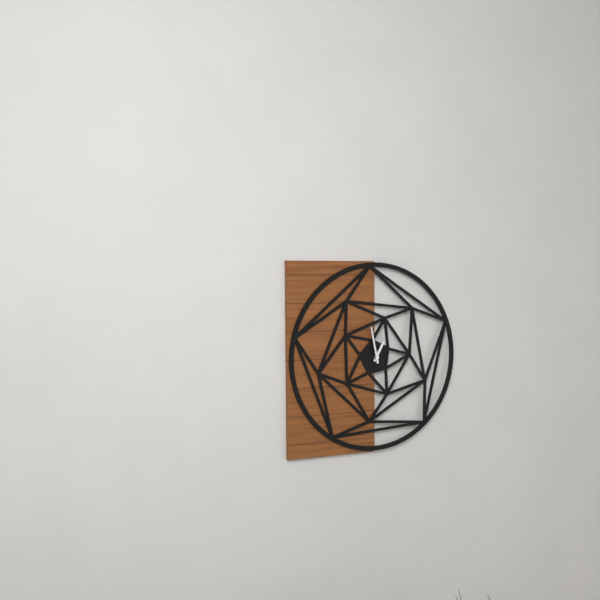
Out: 12,58
